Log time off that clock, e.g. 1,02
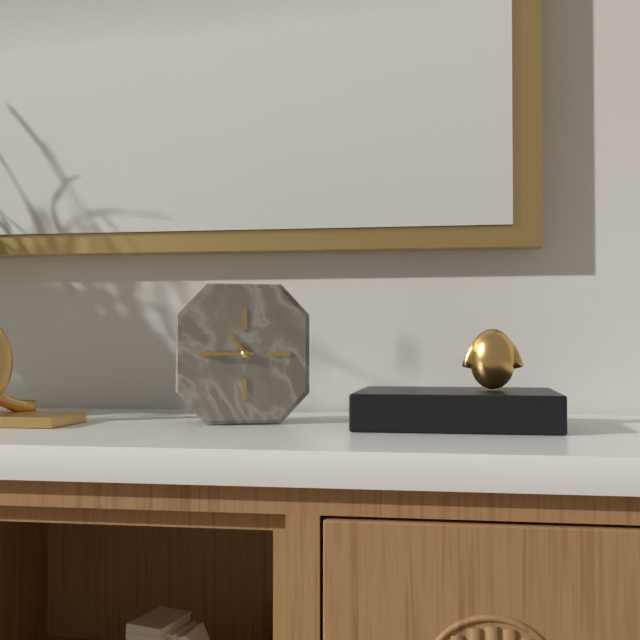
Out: 10,45
